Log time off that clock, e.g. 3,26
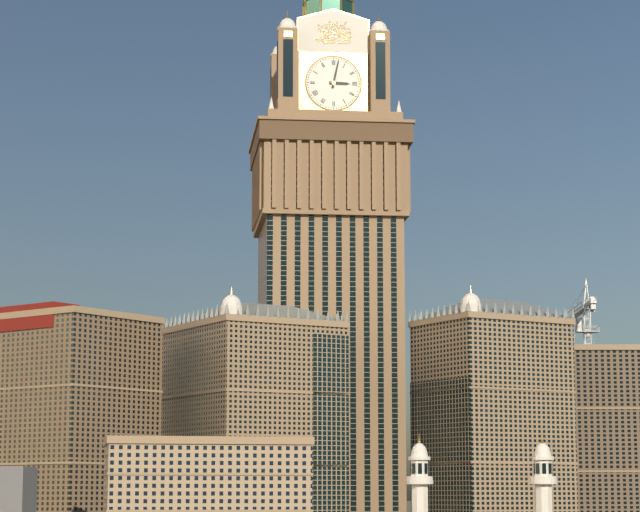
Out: 3,02
